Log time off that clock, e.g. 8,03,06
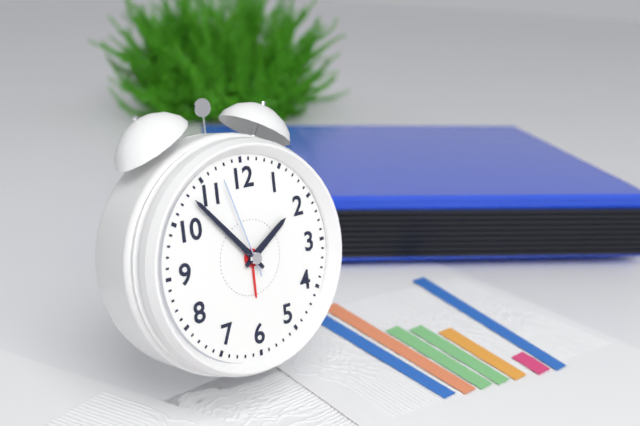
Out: 1,53,57
